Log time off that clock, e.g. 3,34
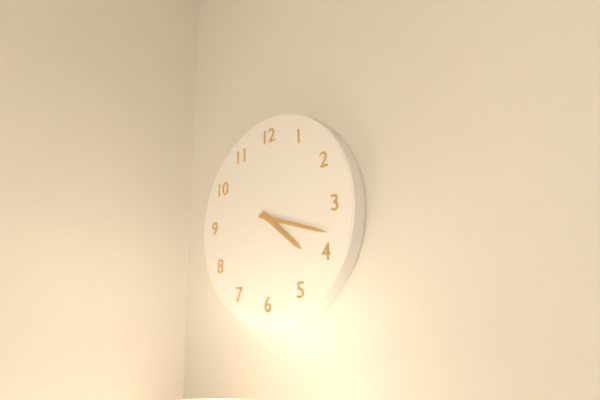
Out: 4,18
